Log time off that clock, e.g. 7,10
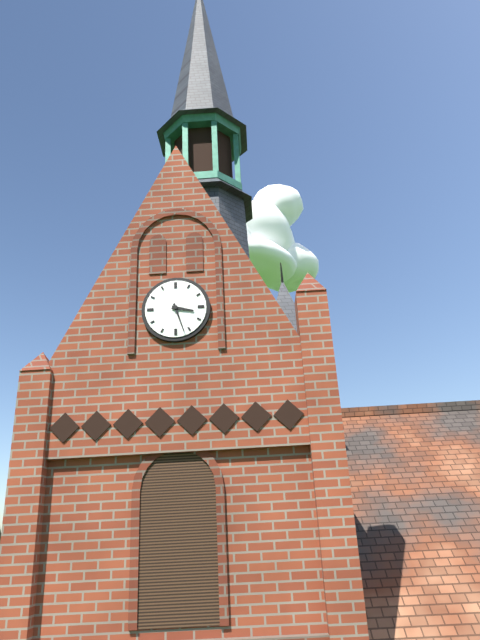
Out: 3,27
